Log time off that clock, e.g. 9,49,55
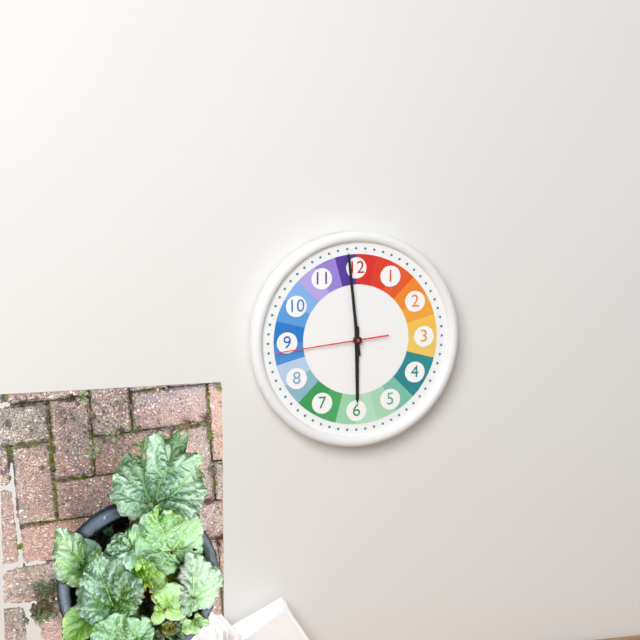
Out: 5,59,44
